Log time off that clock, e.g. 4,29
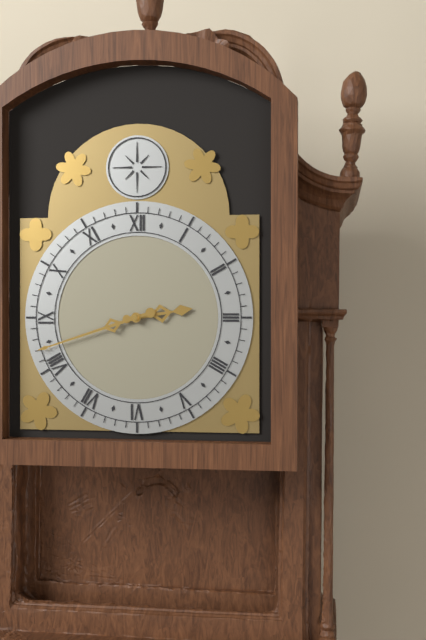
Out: 2,42
